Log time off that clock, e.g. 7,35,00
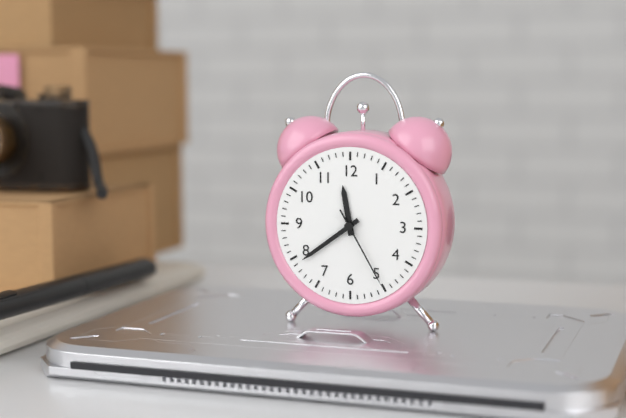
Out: 11,39,25
